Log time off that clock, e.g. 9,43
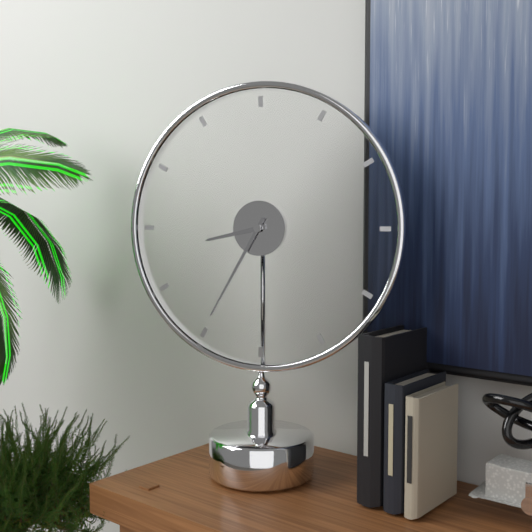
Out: 8,35
